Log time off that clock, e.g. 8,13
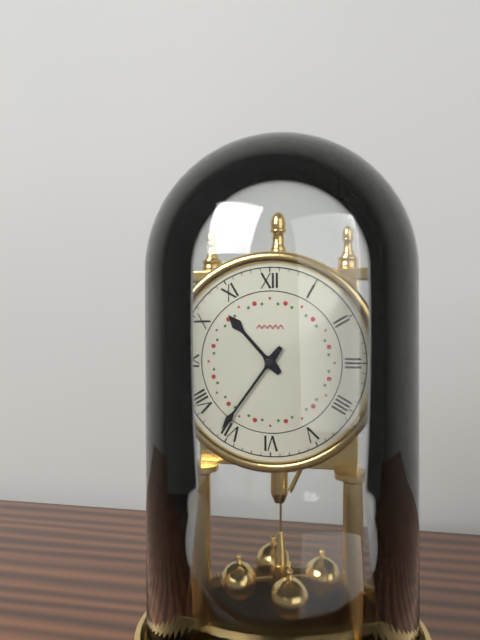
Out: 10,36
